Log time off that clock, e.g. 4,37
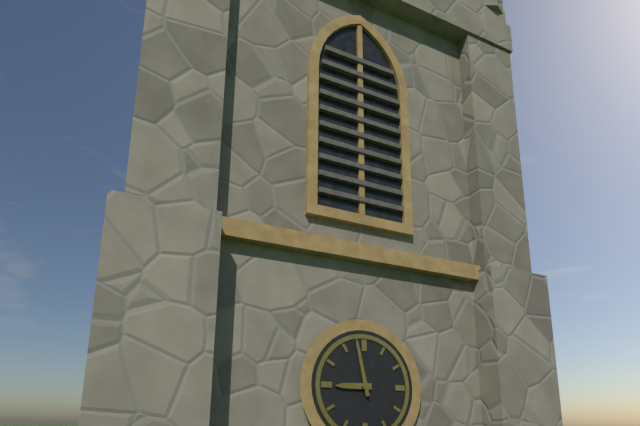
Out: 8,58
